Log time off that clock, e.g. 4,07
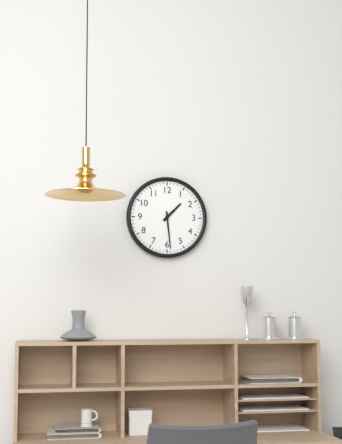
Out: 1,29
